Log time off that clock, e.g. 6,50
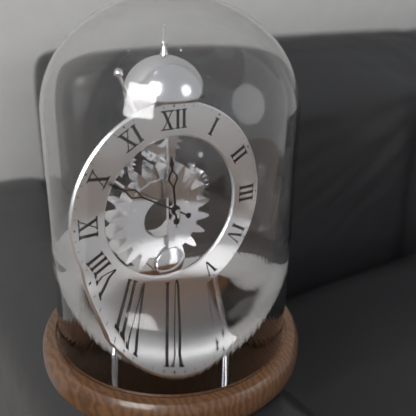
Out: 11,50
